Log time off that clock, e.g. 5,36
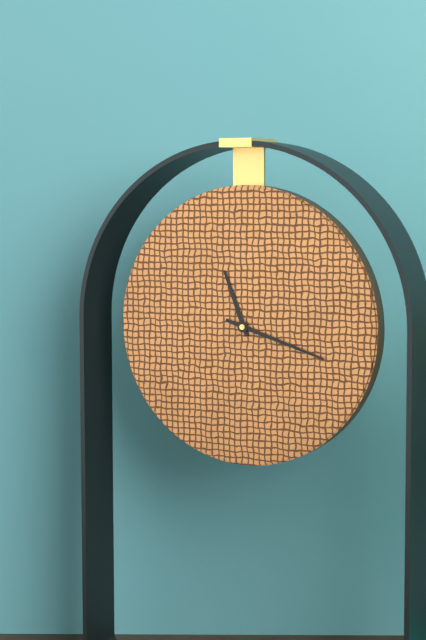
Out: 11,18
